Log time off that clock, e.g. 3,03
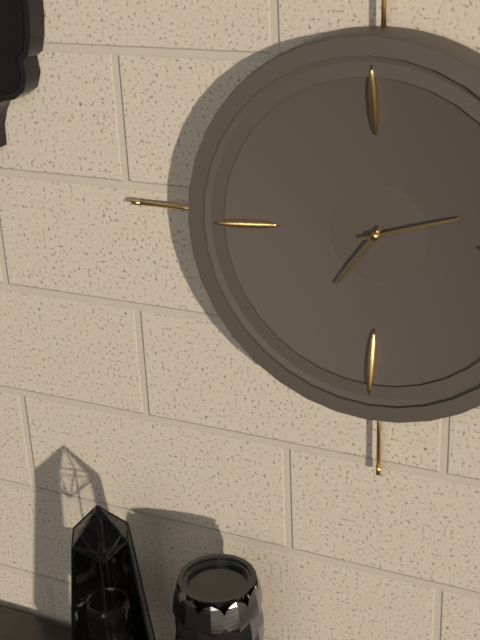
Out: 7,12
